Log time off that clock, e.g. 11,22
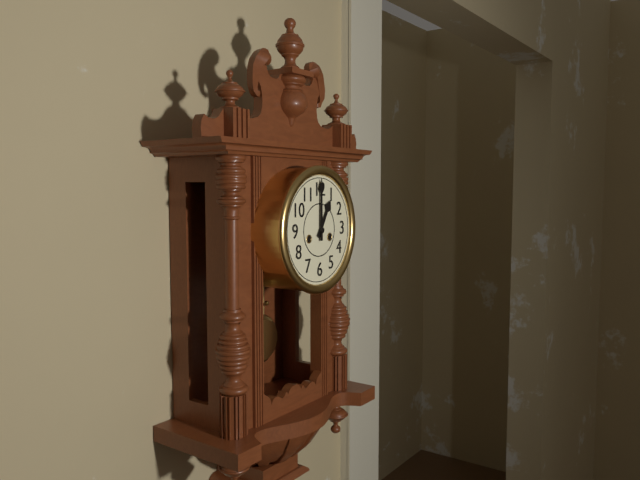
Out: 1,00
